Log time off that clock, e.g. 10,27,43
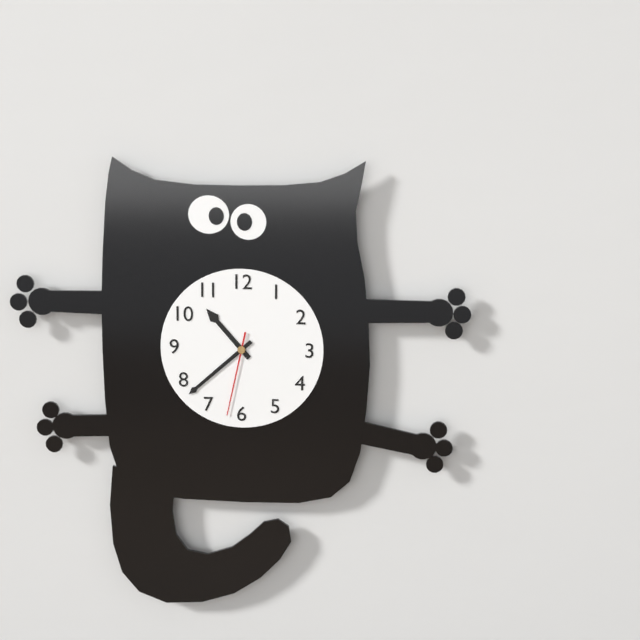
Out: 10,38,32
